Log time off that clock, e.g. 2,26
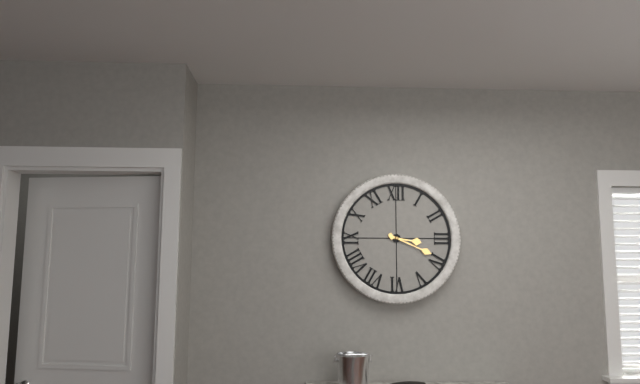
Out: 3,19
